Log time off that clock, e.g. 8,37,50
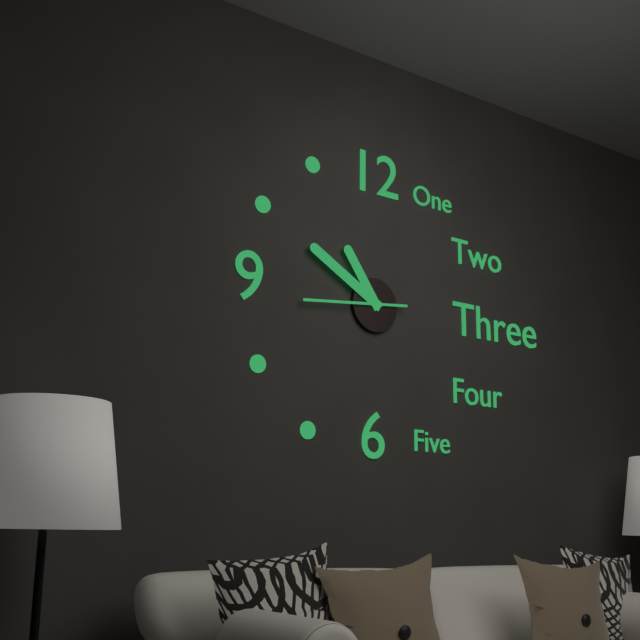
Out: 10,50,44
